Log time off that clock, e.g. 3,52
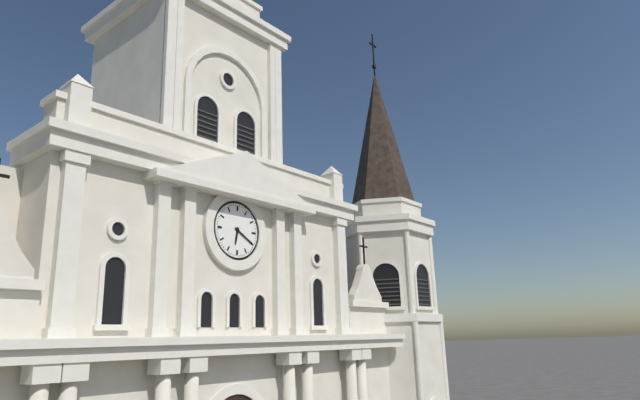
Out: 6,20
